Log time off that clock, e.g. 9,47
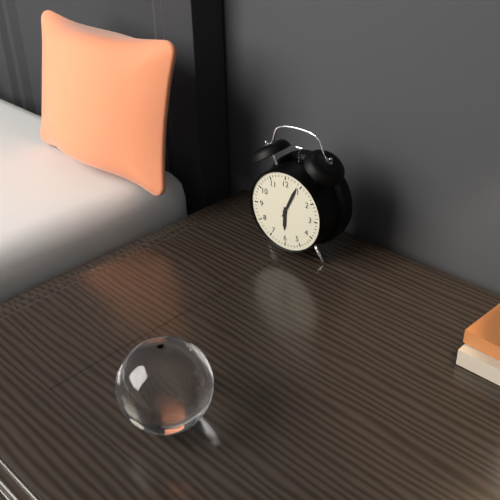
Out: 6,04
